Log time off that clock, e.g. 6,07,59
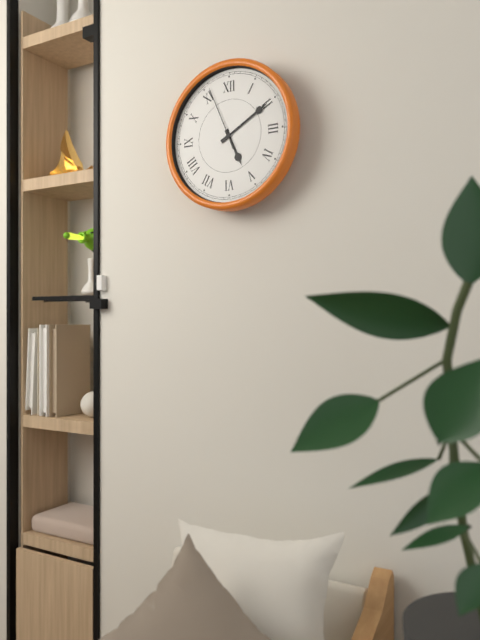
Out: 5,10,56
